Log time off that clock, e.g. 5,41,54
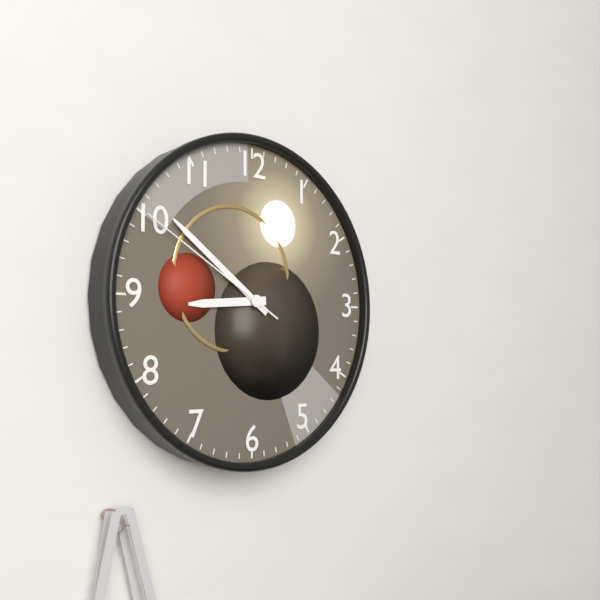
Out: 8,51,50
